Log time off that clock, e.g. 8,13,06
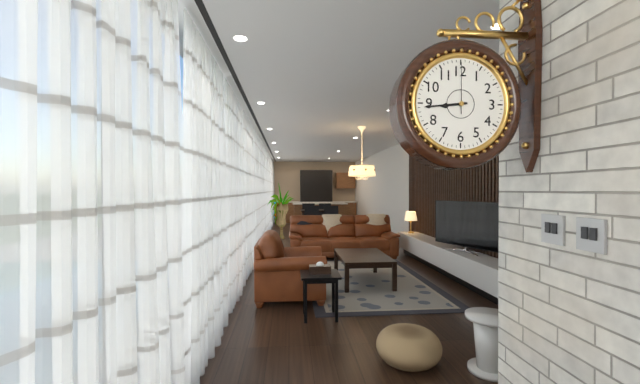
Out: 8,44,00
